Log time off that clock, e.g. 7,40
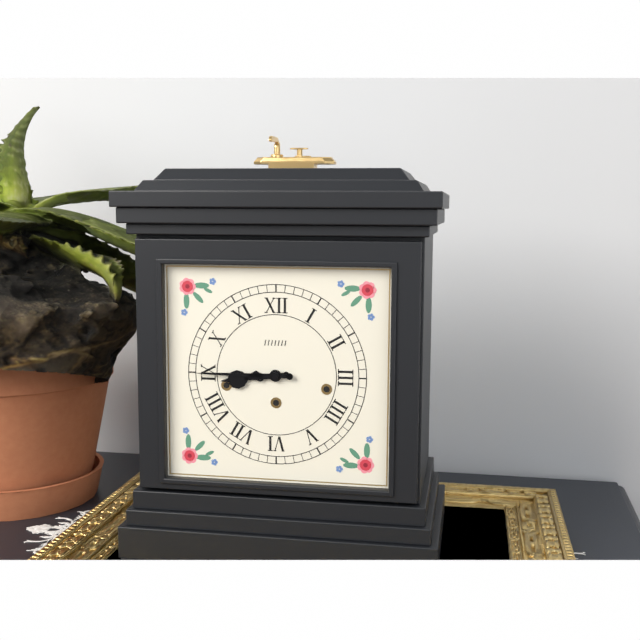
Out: 8,45
